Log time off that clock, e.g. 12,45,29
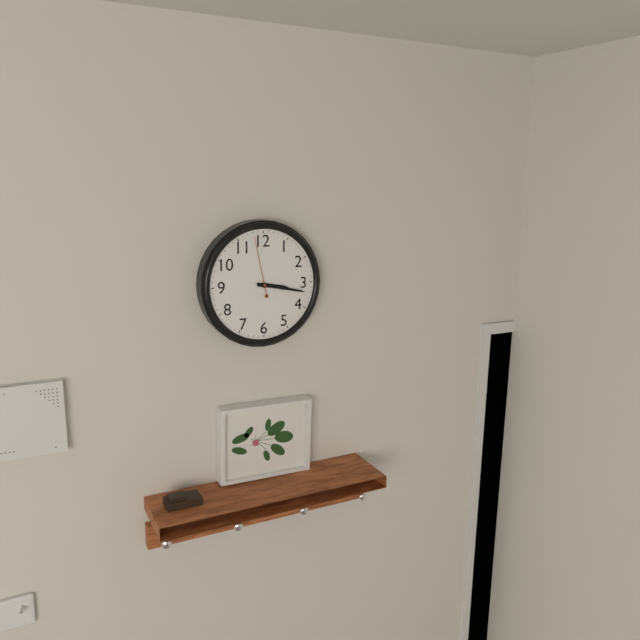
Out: 3,17,58
